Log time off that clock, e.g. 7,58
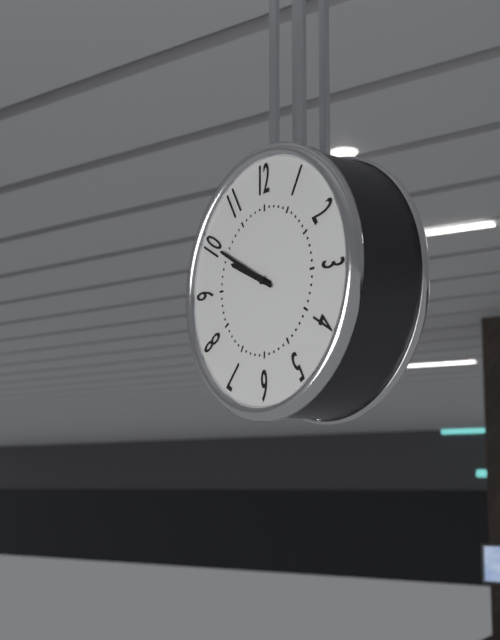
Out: 9,50
